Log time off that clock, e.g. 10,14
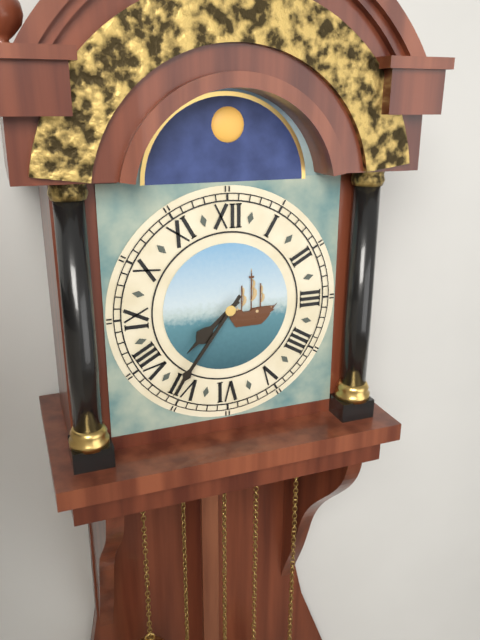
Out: 7,36
